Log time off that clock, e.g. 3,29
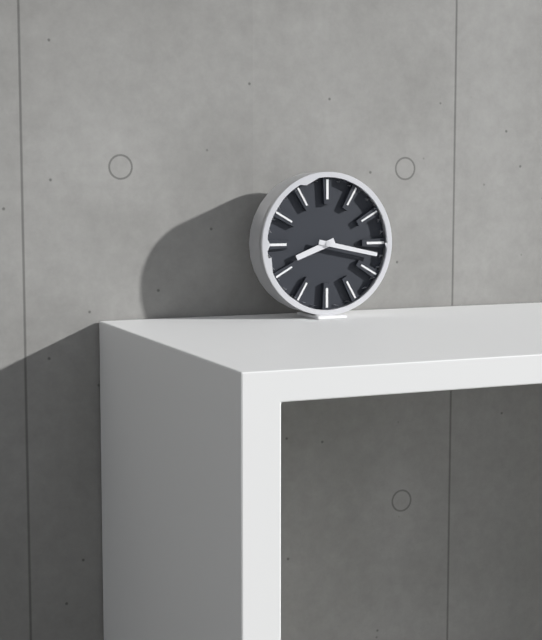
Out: 8,17
